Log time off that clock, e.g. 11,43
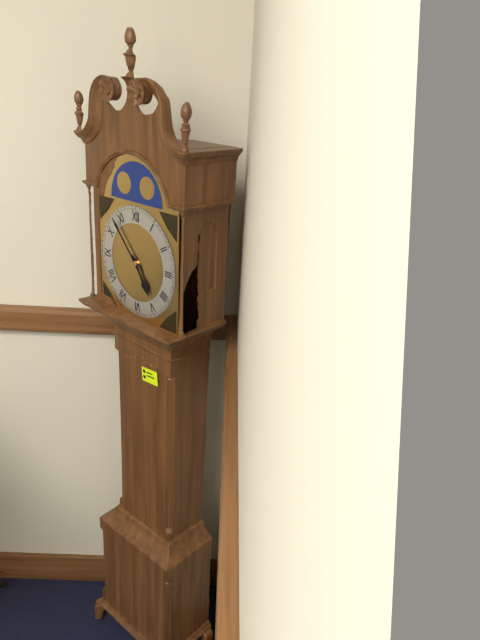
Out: 4,53
